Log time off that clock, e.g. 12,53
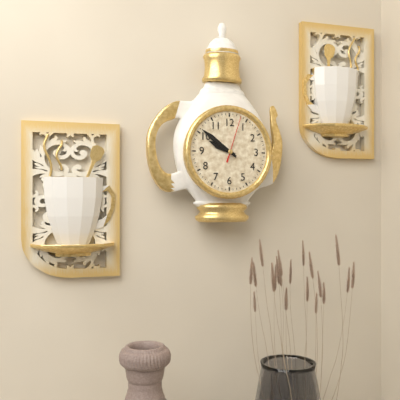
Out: 9,51
